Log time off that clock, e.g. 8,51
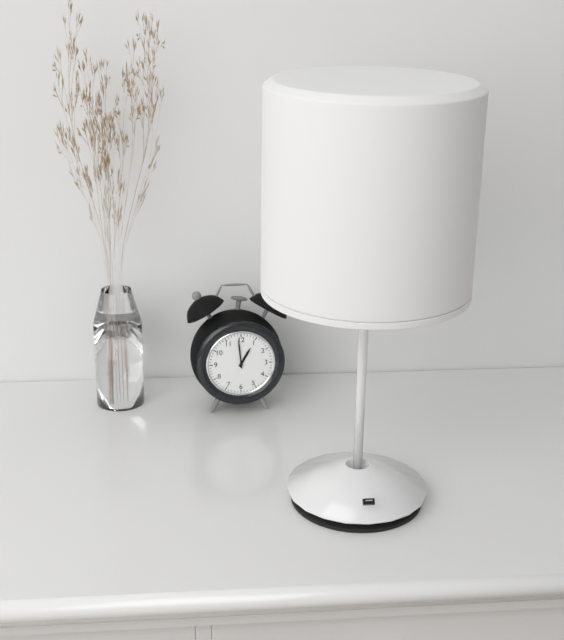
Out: 12,59
